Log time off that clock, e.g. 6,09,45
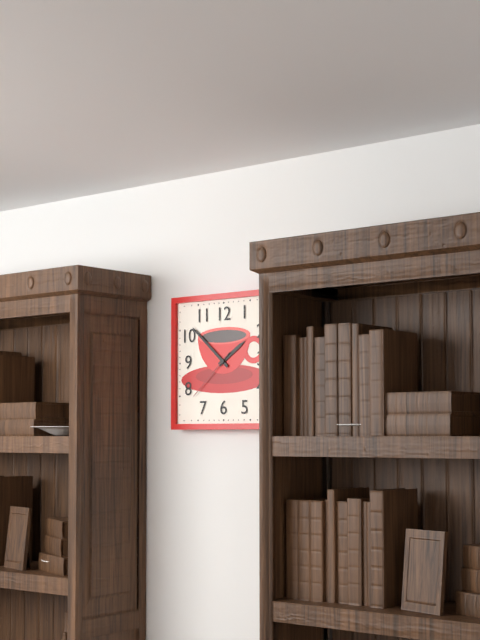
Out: 1,52,38
